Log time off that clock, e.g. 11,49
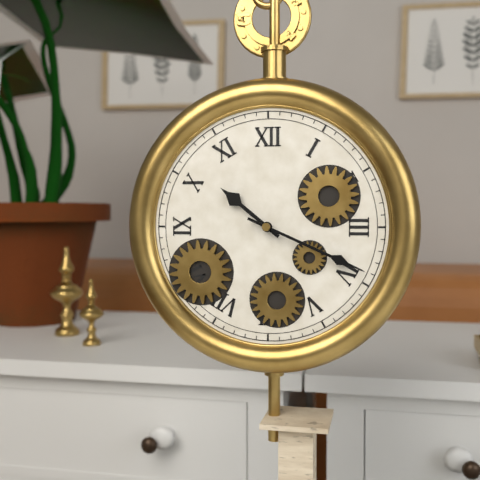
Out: 10,19
